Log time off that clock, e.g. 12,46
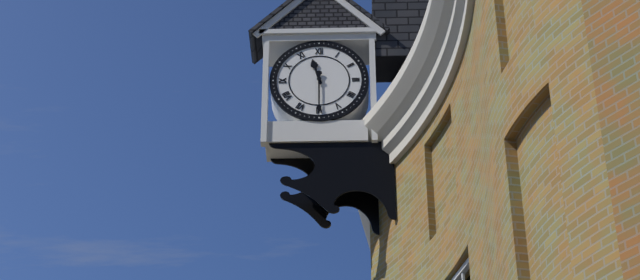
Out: 11,30
